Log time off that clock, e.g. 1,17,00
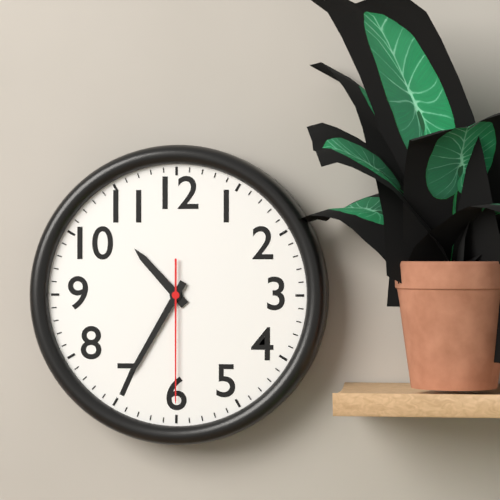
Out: 10,35,30
